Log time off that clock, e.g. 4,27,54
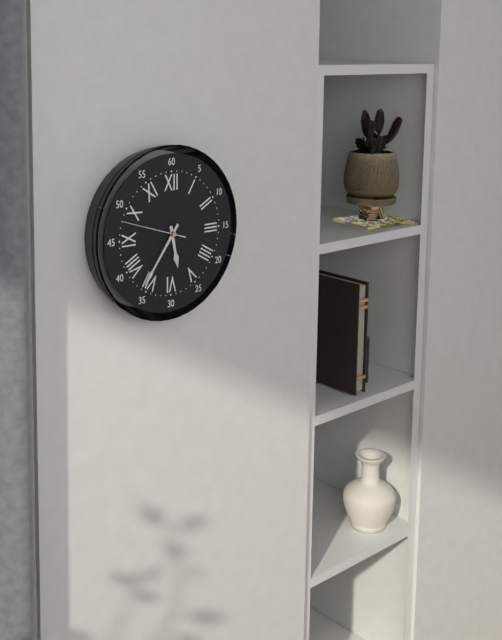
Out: 5,36,48
